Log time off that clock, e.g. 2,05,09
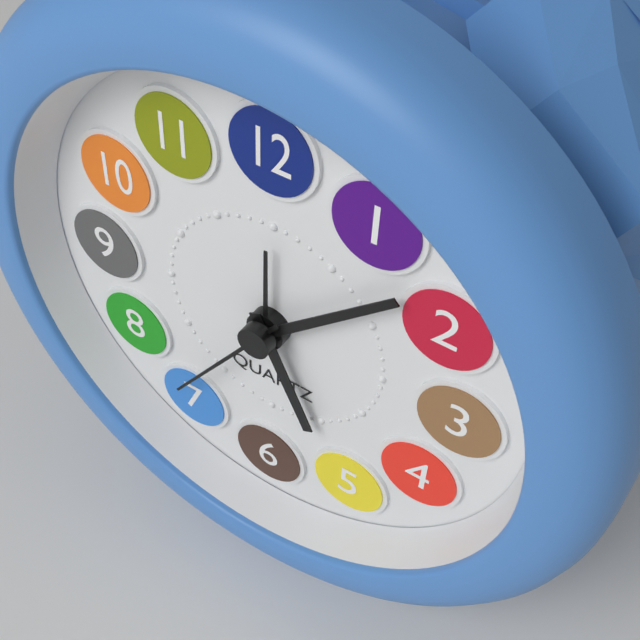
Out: 5,08,36
